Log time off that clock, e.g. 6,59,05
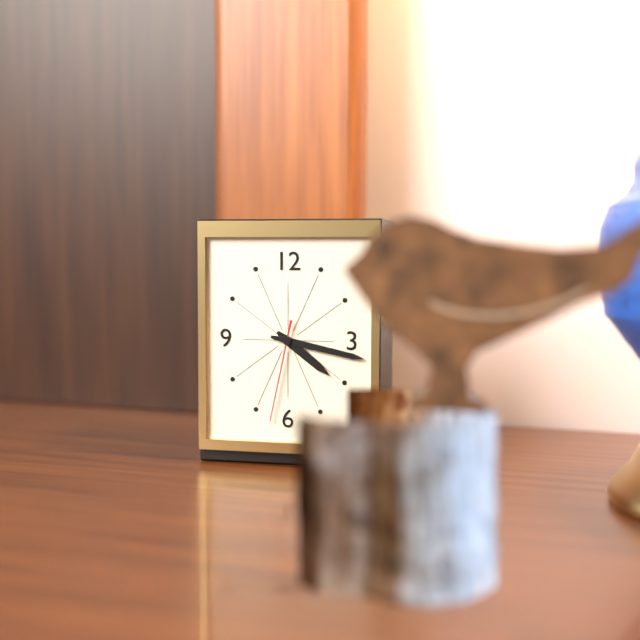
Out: 4,17,32
